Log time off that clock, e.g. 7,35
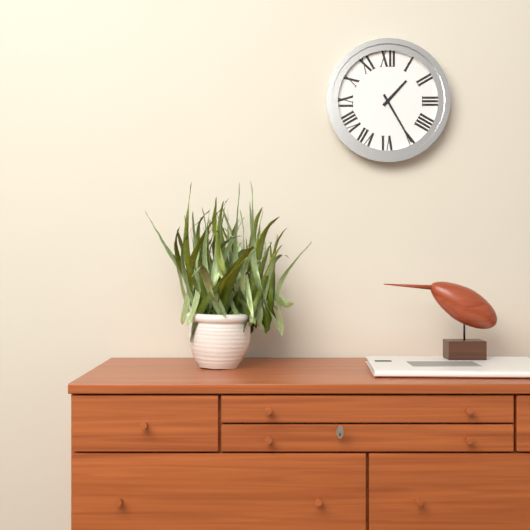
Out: 1,25
